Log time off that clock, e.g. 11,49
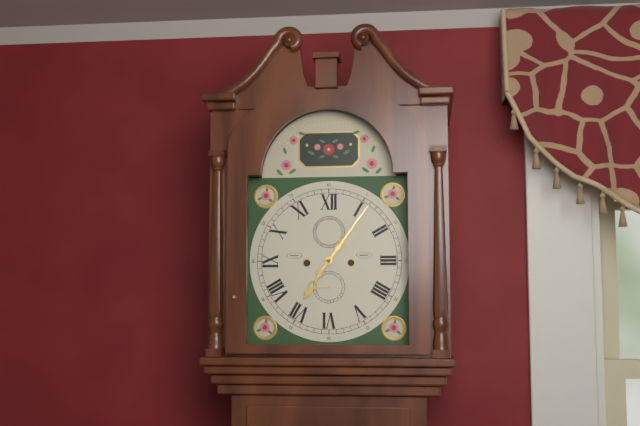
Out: 7,06
